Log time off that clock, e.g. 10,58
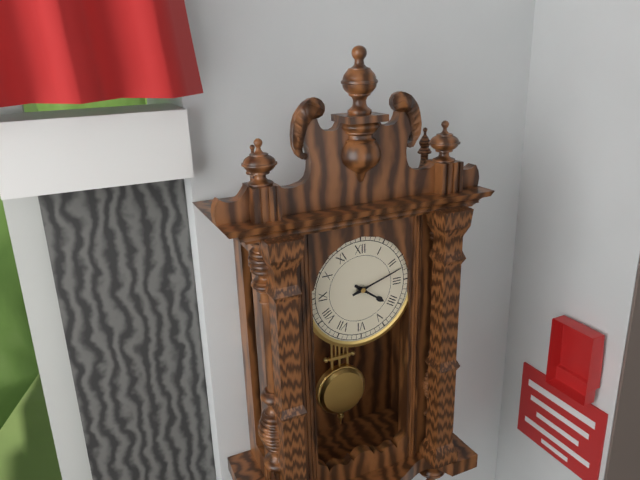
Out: 4,12
